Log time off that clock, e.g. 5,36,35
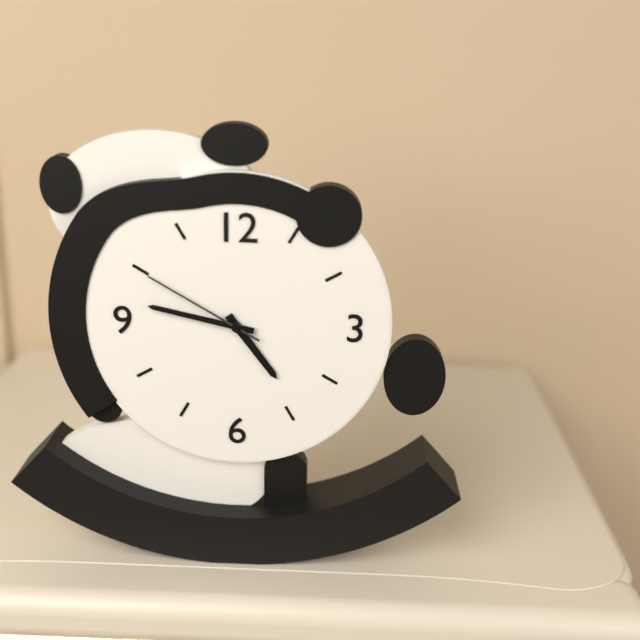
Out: 4,47,50
